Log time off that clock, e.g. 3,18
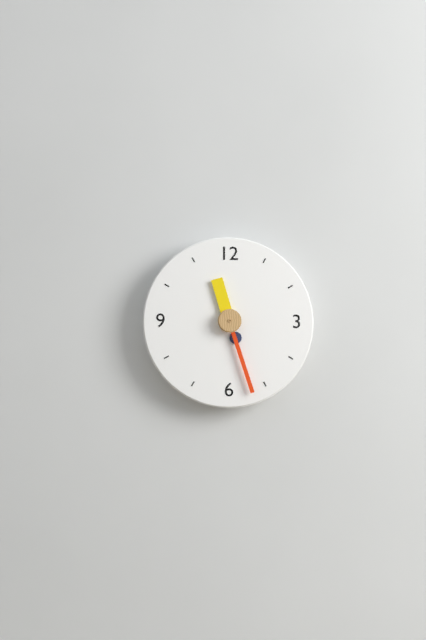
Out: 11,27
